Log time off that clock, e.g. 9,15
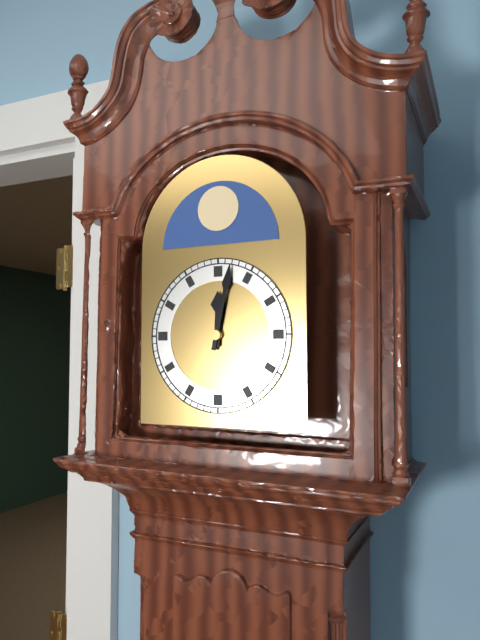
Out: 12,02
